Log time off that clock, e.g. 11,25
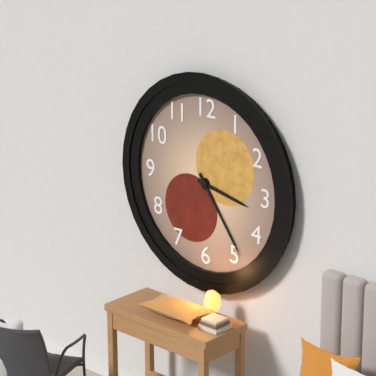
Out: 3,24
